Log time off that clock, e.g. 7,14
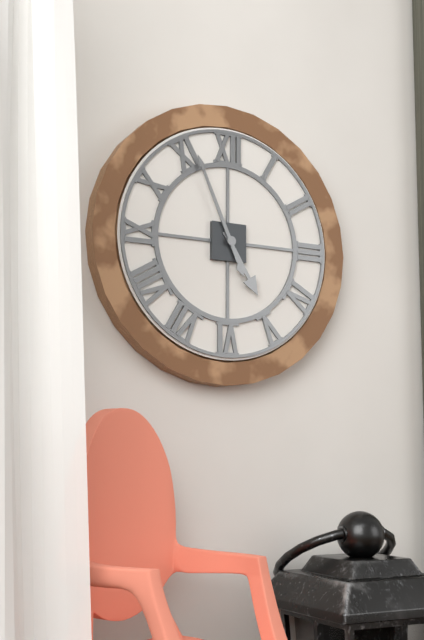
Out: 4,56
